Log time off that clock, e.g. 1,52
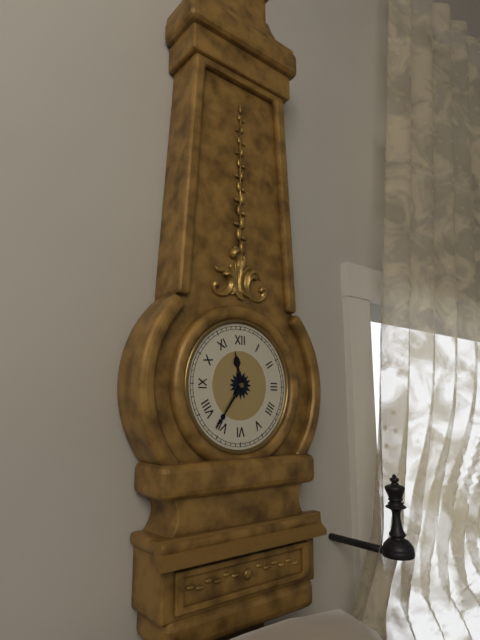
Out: 11,36
